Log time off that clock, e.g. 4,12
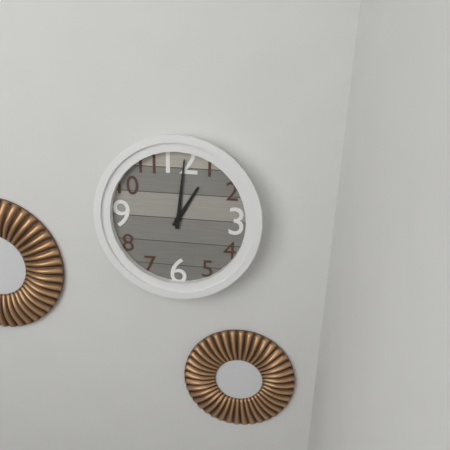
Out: 1,01
